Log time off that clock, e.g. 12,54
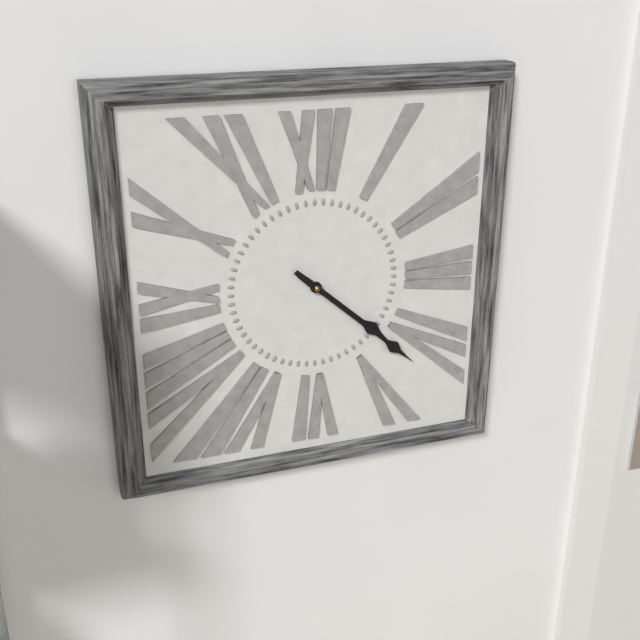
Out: 4,22
